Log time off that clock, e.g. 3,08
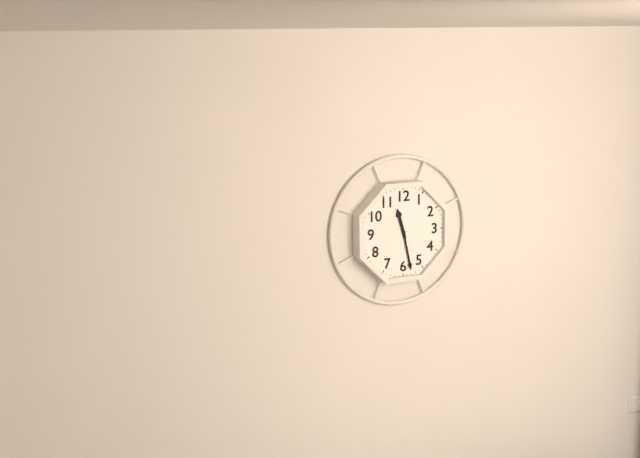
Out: 11,28
